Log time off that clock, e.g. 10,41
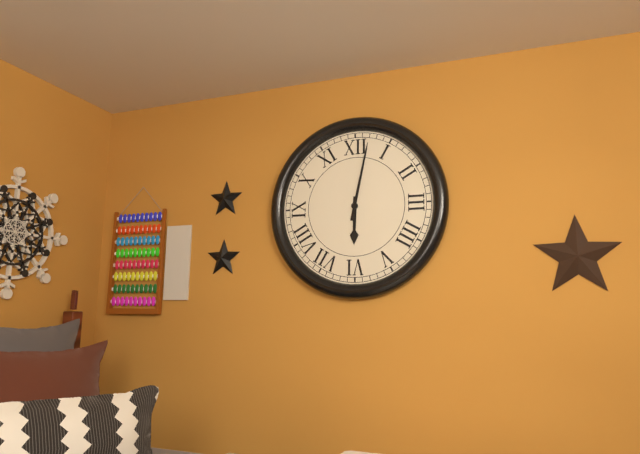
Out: 6,02
